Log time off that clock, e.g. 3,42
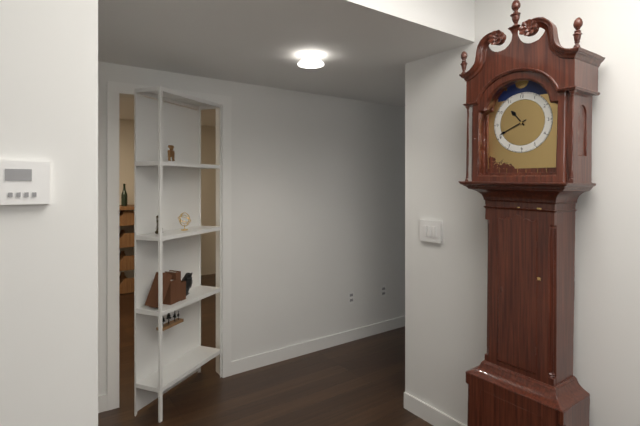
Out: 10,41
